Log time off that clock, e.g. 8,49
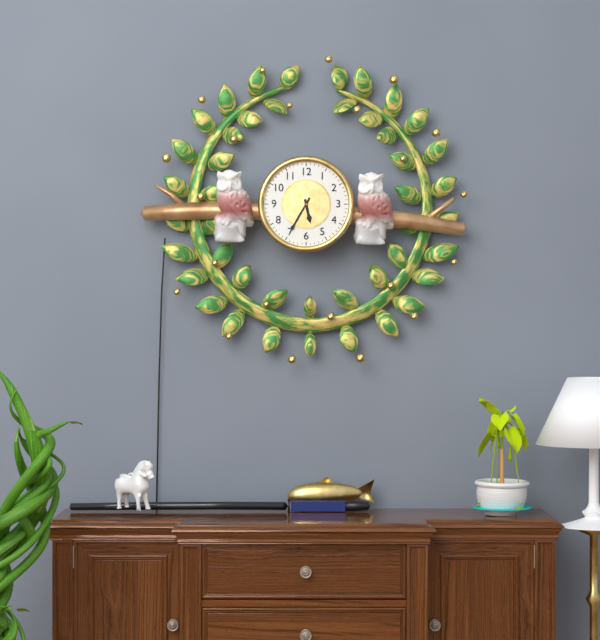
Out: 5,35
